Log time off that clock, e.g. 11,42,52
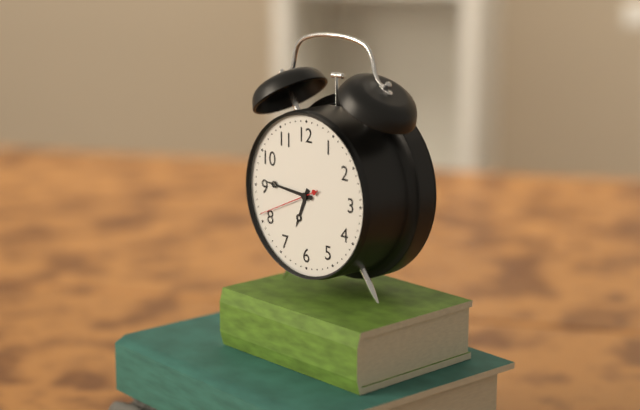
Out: 6,46,41
